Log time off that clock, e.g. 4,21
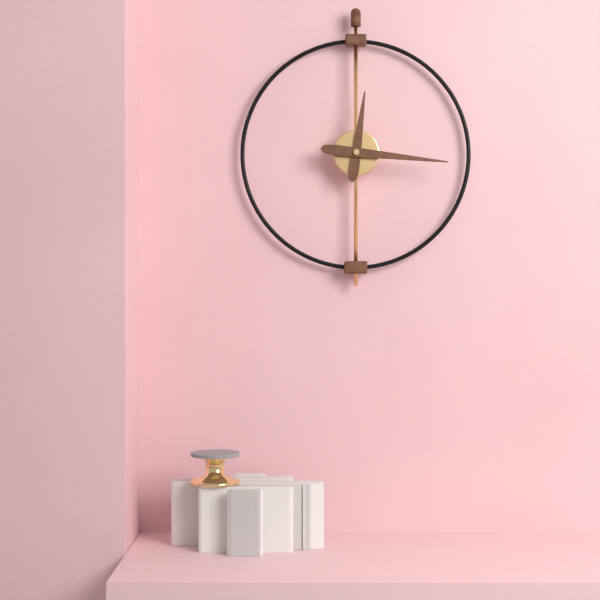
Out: 12,16
